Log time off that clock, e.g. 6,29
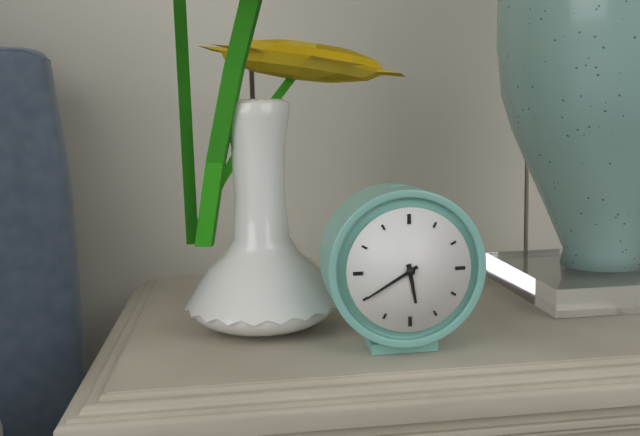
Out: 5,40
